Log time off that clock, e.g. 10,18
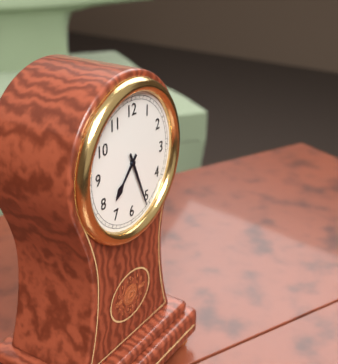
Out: 7,26
